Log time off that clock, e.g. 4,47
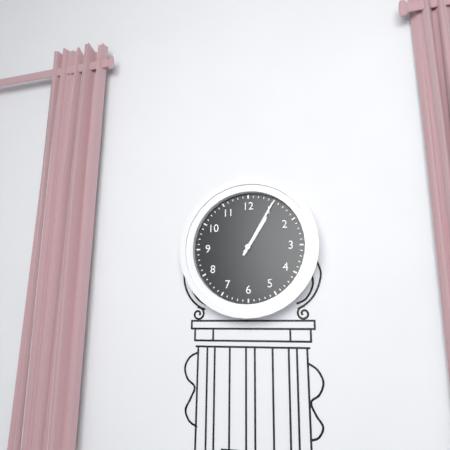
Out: 1,05
